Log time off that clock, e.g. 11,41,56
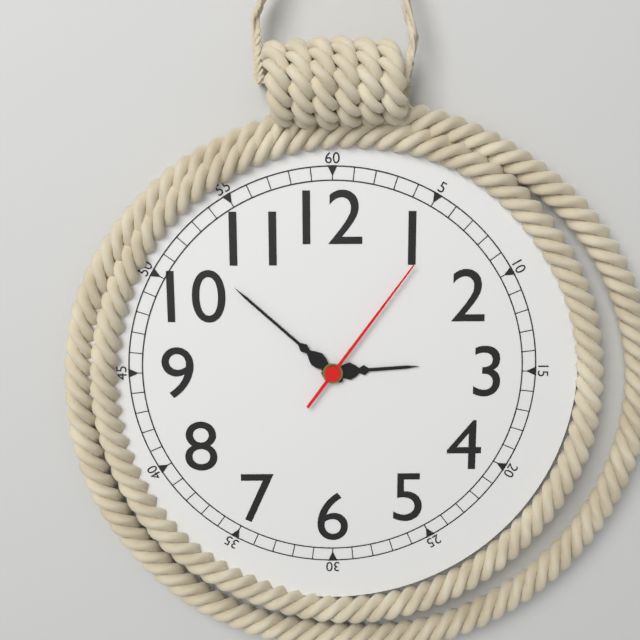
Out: 2,52,06
